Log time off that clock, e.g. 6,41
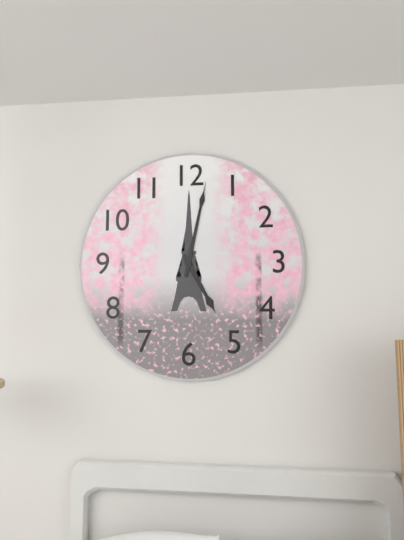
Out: 5,02
